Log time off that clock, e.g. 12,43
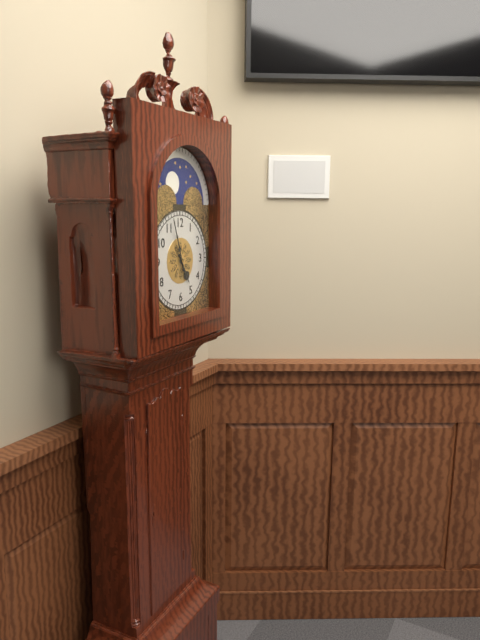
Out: 4,57
